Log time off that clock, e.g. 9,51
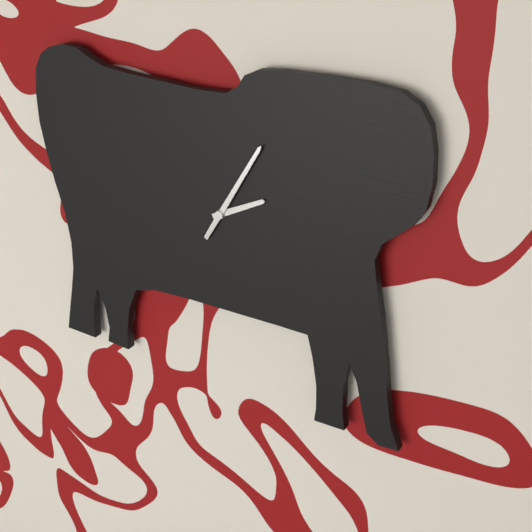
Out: 2,05
